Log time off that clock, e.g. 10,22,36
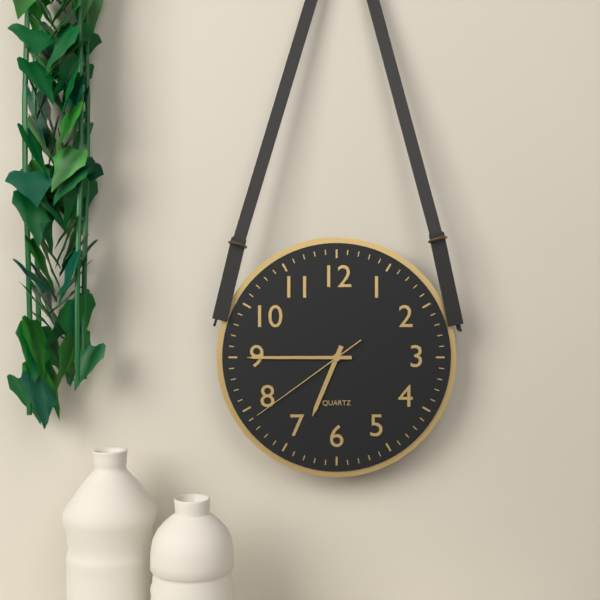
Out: 6,45,39
